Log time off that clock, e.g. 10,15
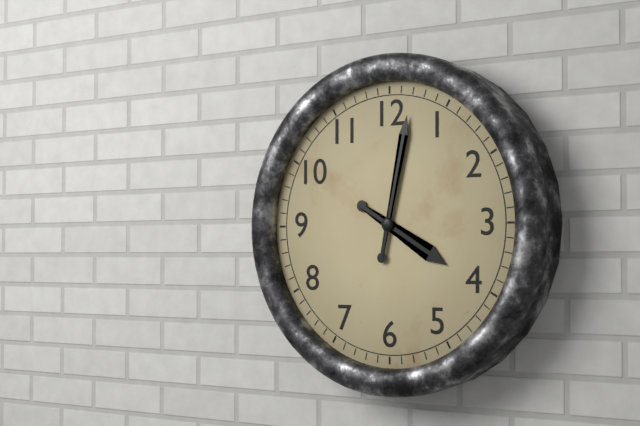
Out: 4,02
